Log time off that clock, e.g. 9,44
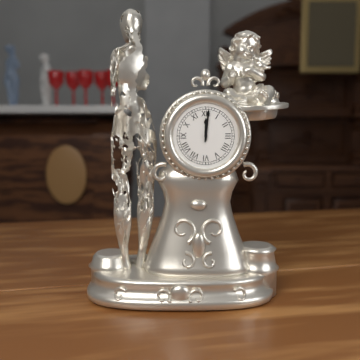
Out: 12,01
